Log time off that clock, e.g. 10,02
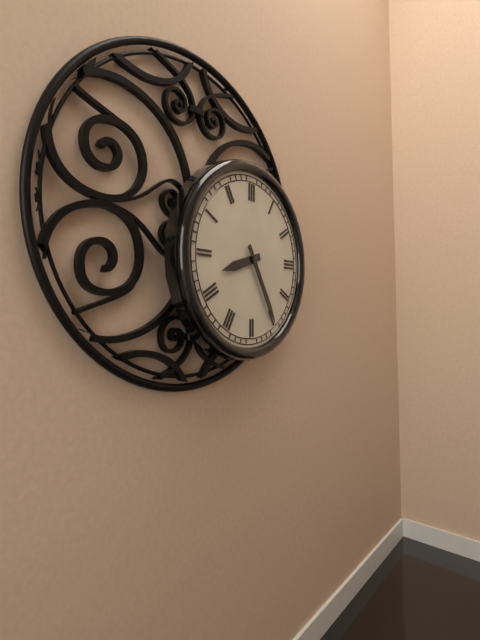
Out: 8,25
